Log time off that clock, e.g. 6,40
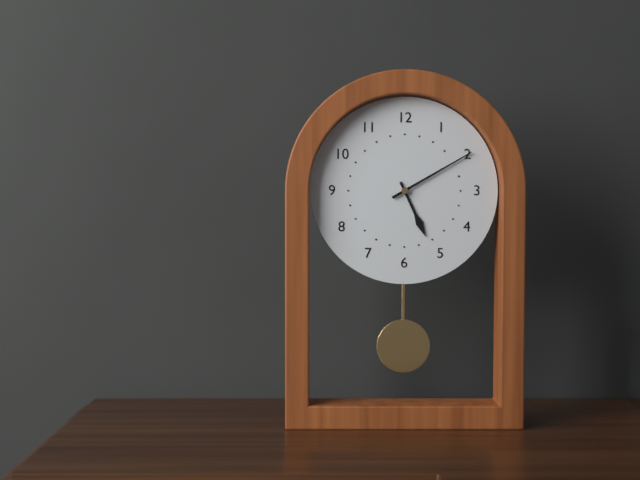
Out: 5,10
